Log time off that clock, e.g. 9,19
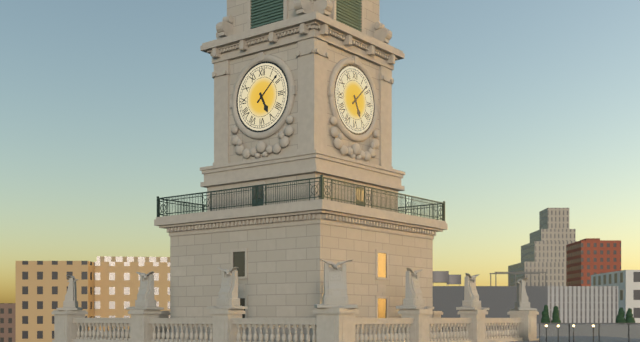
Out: 5,08
